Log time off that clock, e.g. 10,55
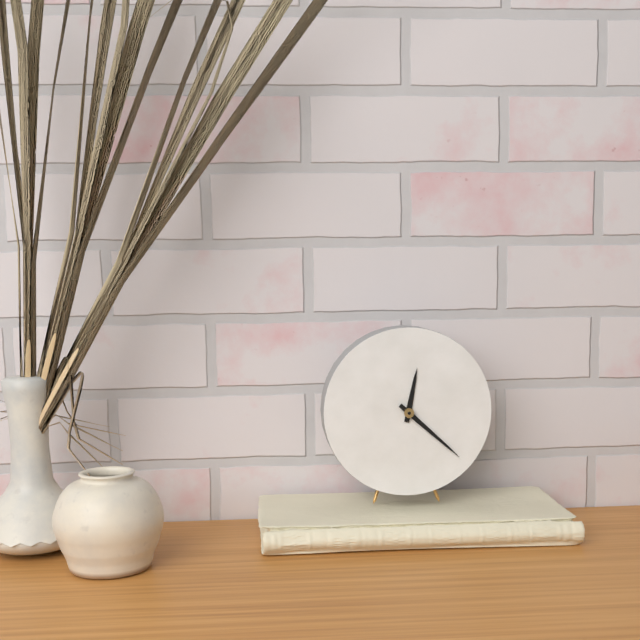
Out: 12,22
